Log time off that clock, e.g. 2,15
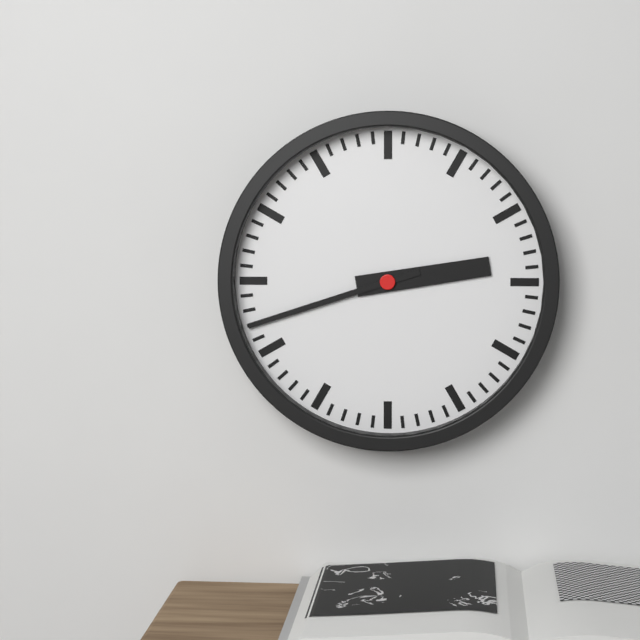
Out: 2,42
